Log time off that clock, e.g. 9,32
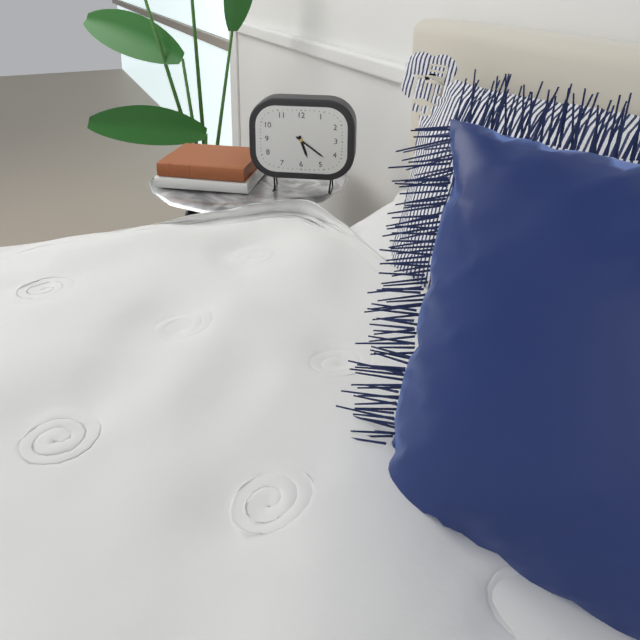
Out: 5,21
